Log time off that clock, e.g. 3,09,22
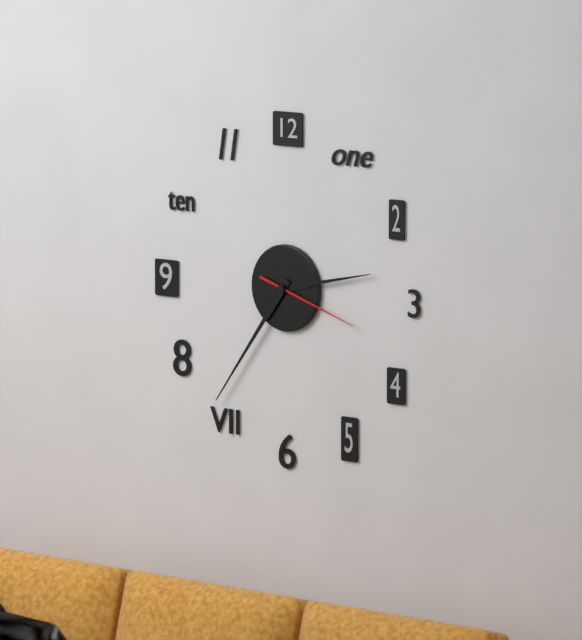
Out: 2,36,18
